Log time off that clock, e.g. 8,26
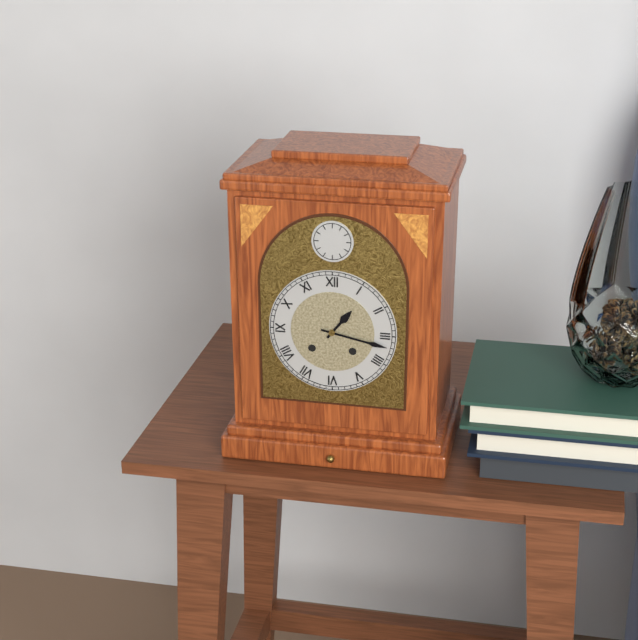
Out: 1,17
